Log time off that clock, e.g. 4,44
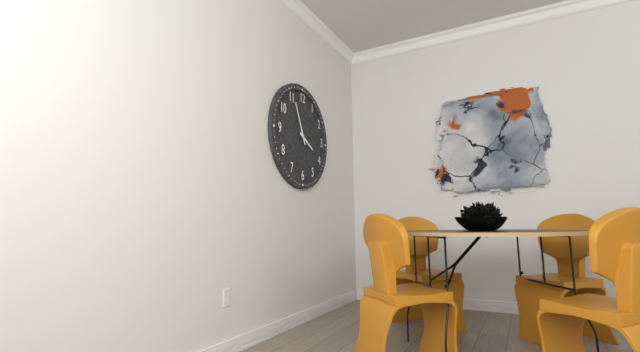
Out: 3,56
